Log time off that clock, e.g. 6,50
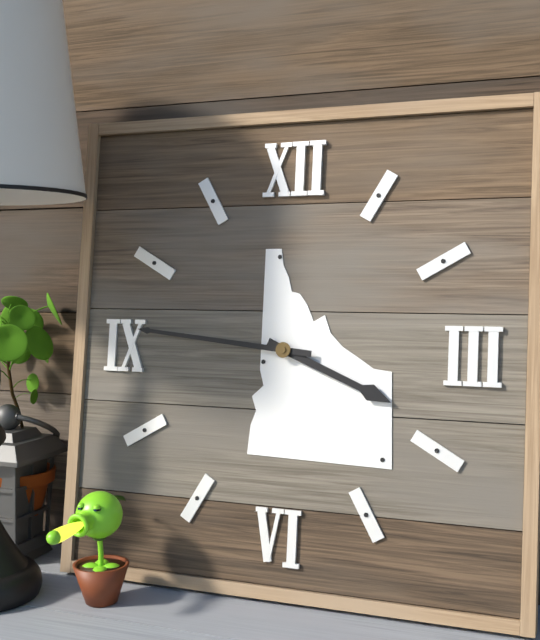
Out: 3,46
